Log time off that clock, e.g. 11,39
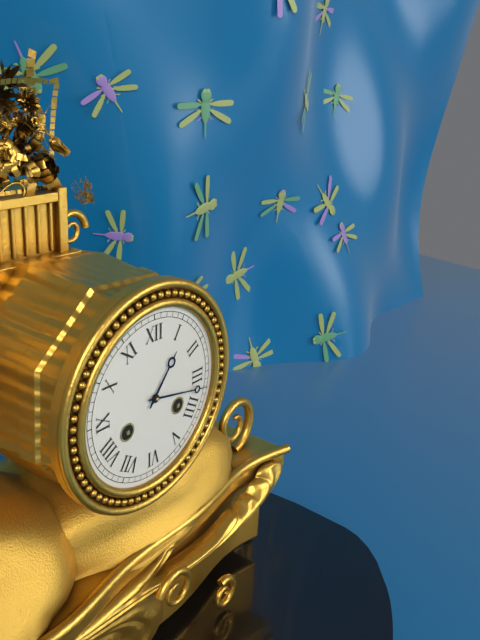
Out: 1,17
